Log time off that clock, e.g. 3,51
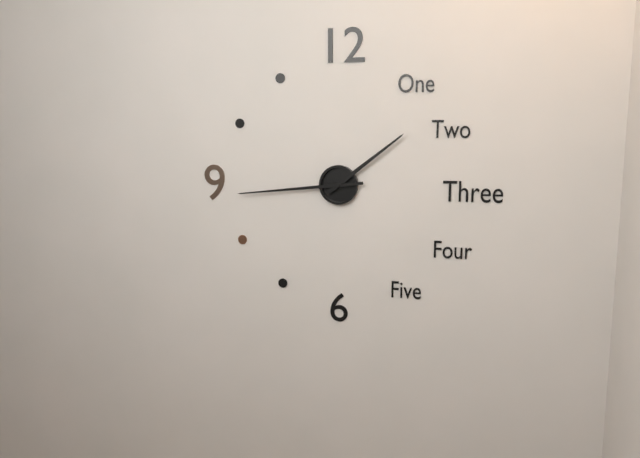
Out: 1,44
